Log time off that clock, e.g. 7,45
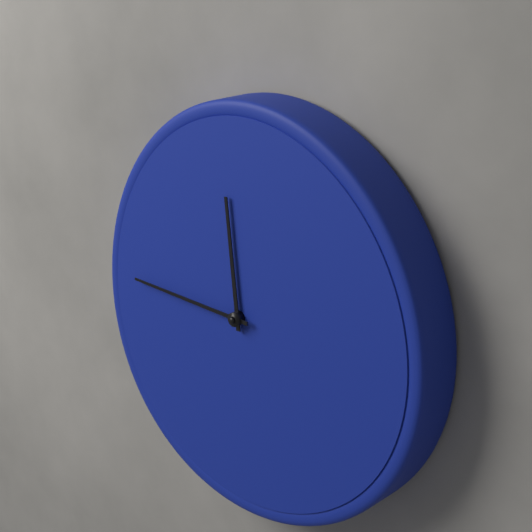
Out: 11,45
